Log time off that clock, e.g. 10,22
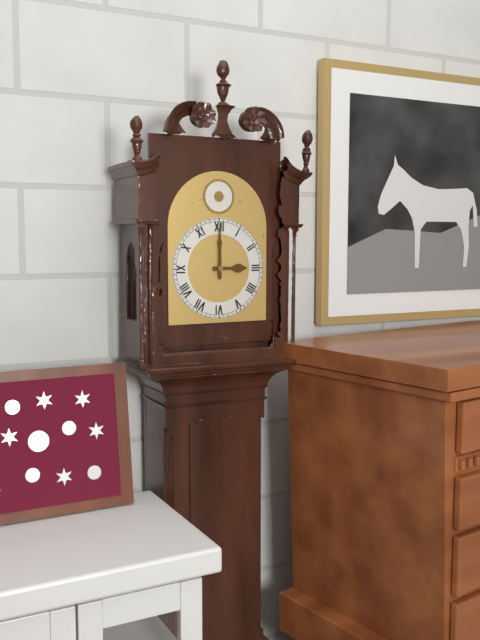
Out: 3,00
